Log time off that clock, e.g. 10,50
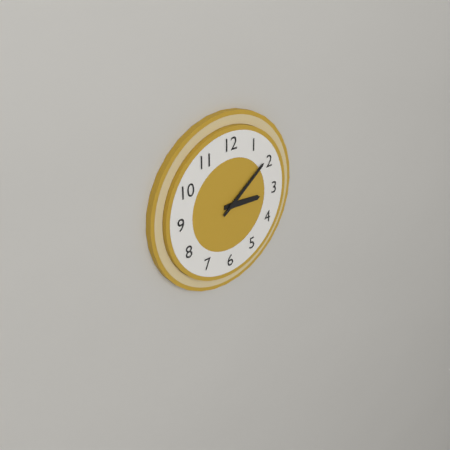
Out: 3,09
